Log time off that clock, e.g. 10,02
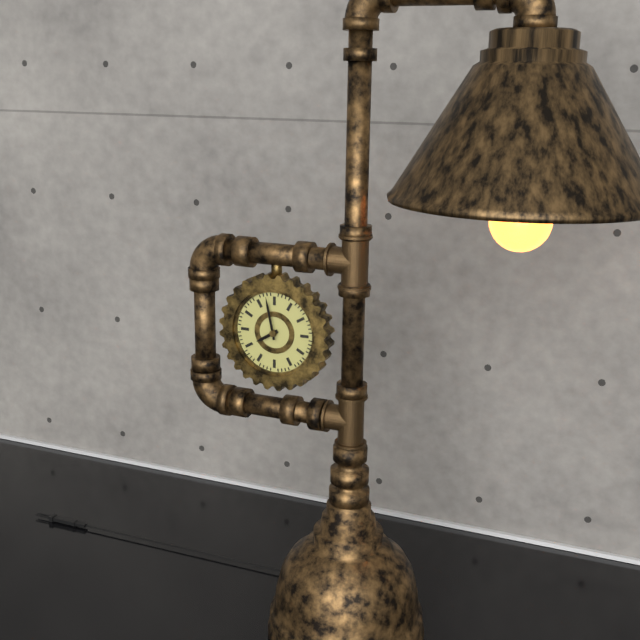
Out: 7,58
